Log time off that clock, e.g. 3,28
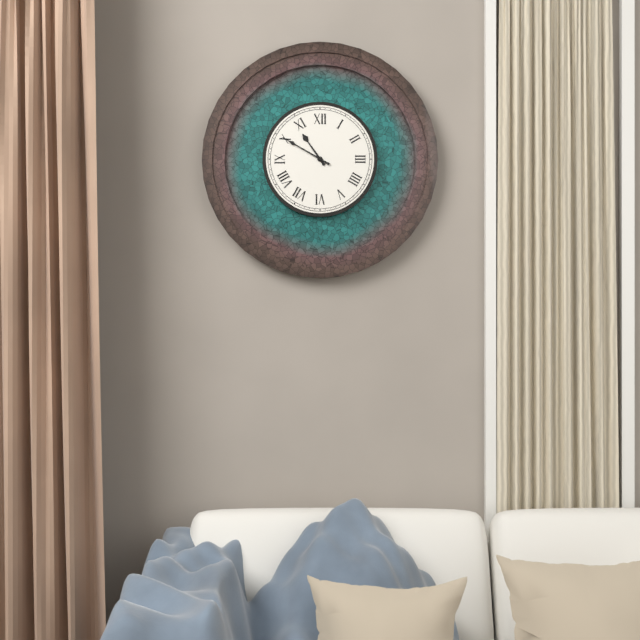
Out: 10,50
